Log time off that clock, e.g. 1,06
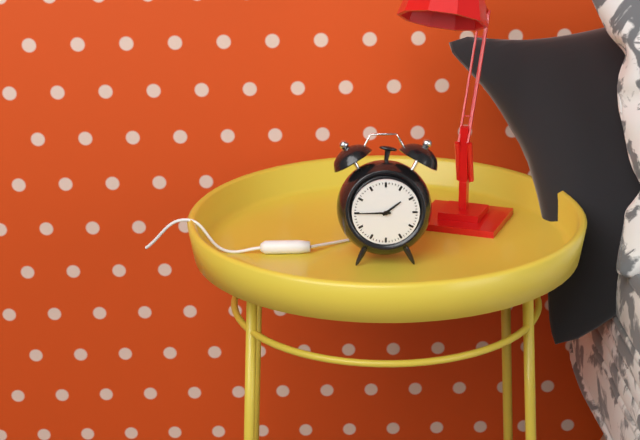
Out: 1,45
